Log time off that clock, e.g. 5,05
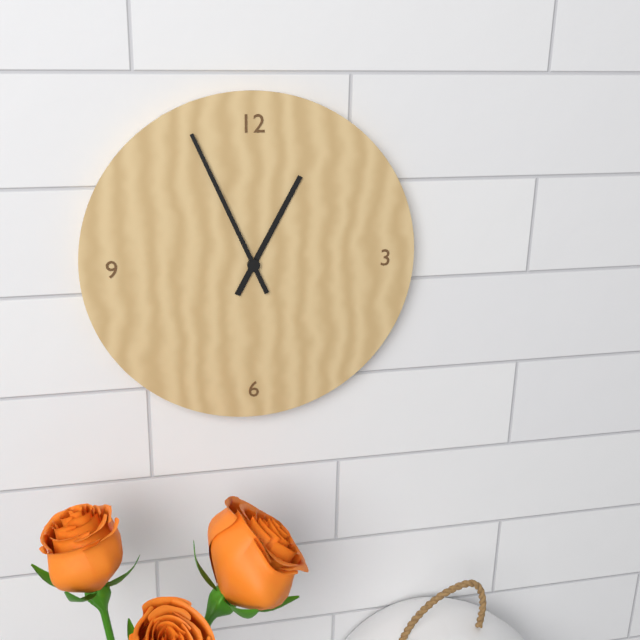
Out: 12,56
